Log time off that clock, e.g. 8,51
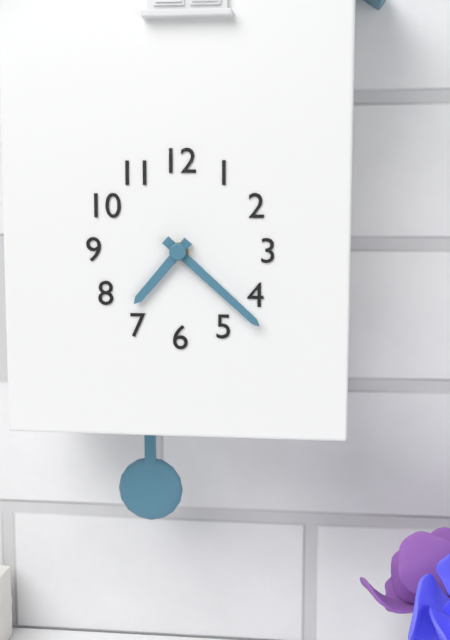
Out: 7,22
